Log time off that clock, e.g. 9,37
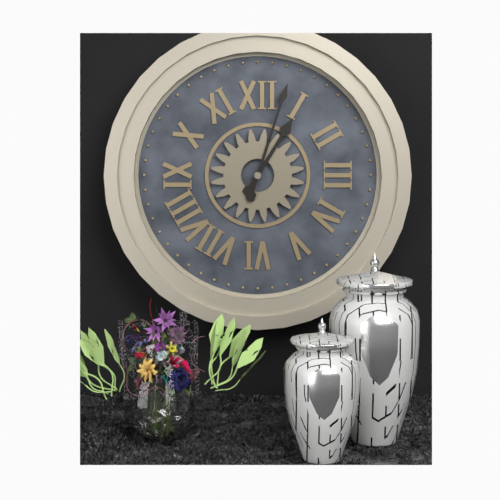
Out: 1,03
